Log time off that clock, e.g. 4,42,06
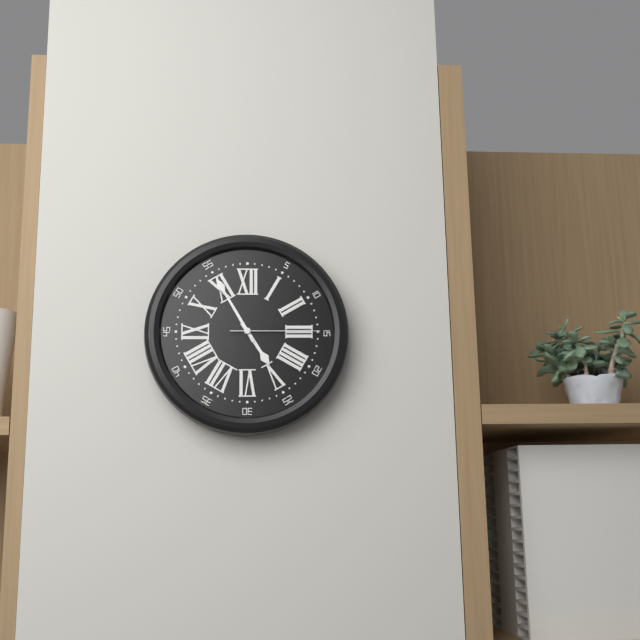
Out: 4,55,15
